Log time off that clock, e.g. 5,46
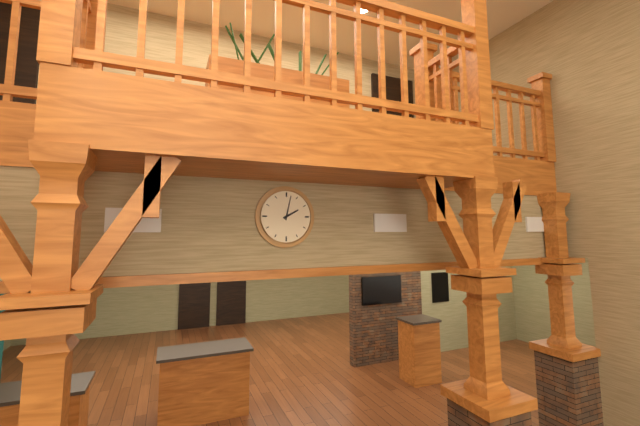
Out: 2,02
